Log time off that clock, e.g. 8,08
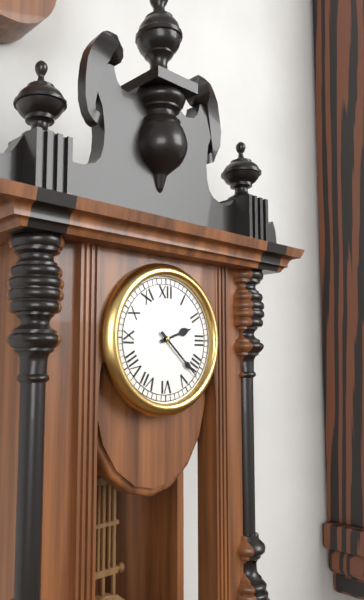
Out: 2,22
